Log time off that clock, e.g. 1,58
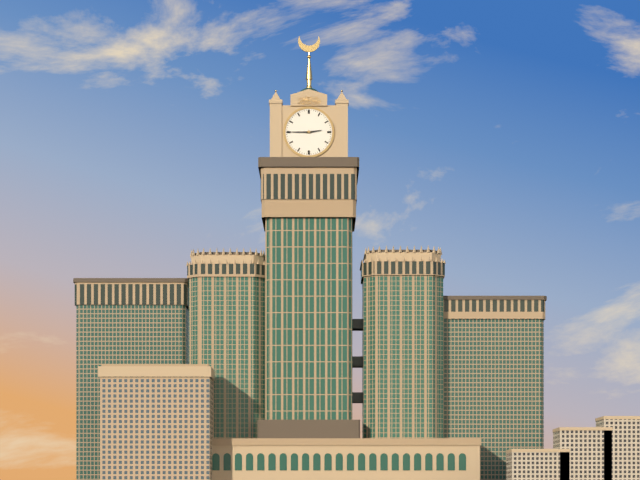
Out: 2,45
